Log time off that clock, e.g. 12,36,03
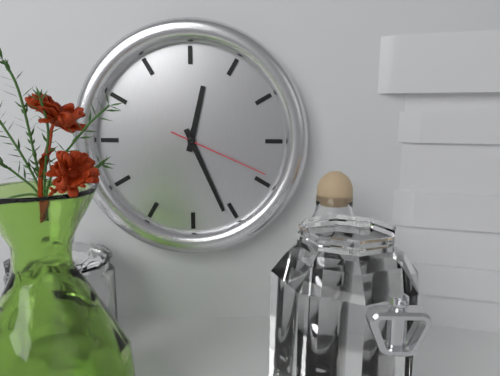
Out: 12,26,19
